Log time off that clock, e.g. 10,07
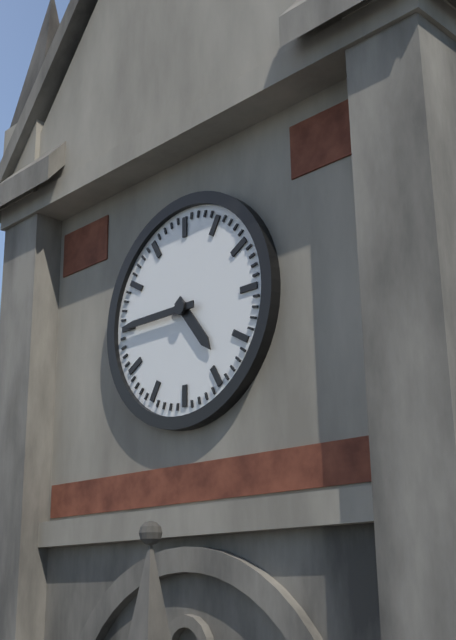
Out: 4,45
